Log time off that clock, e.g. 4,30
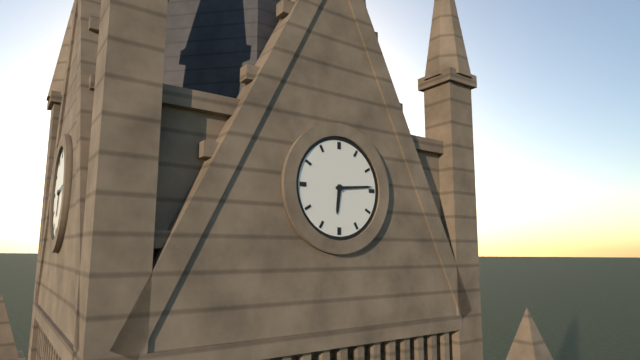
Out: 6,14
